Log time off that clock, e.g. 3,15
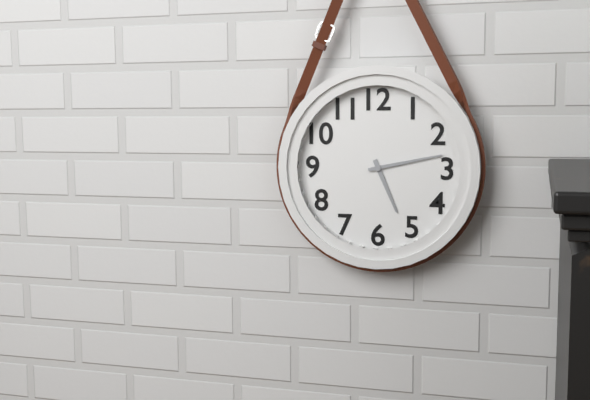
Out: 5,13
